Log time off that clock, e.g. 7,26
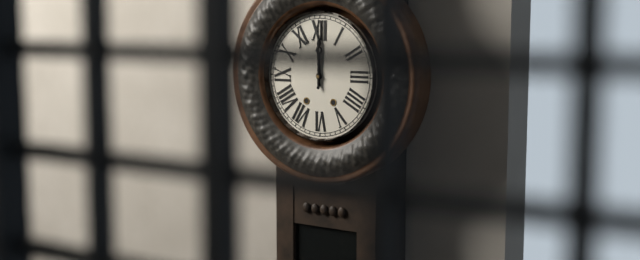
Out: 12,00
